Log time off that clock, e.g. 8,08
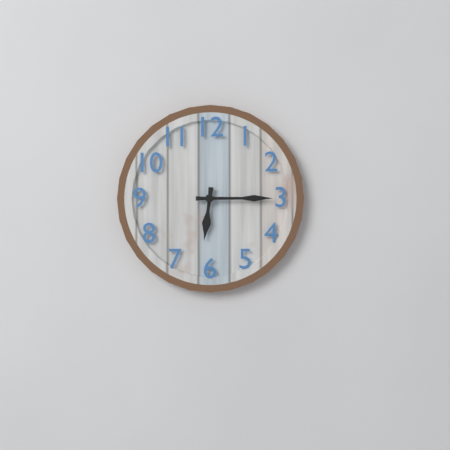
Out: 6,15
